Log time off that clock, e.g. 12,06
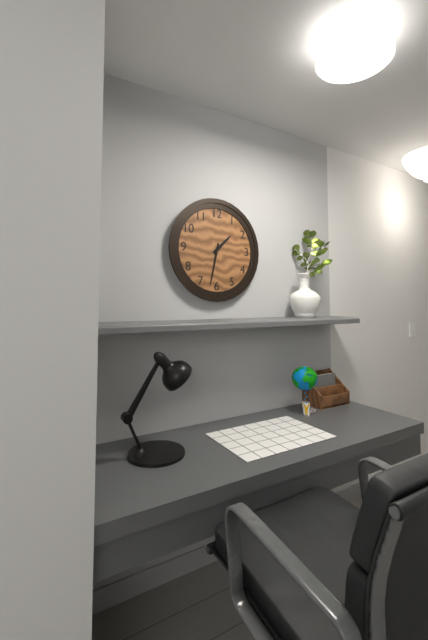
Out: 1,32
